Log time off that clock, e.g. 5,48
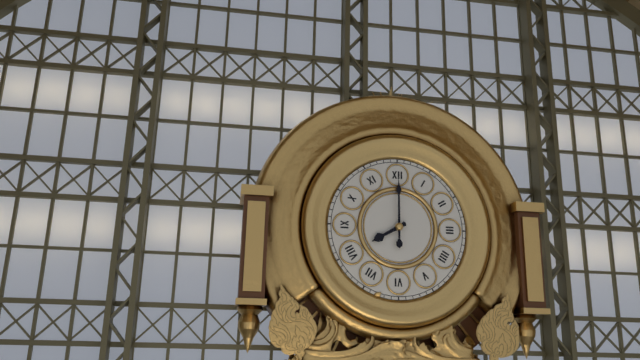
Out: 8,00
